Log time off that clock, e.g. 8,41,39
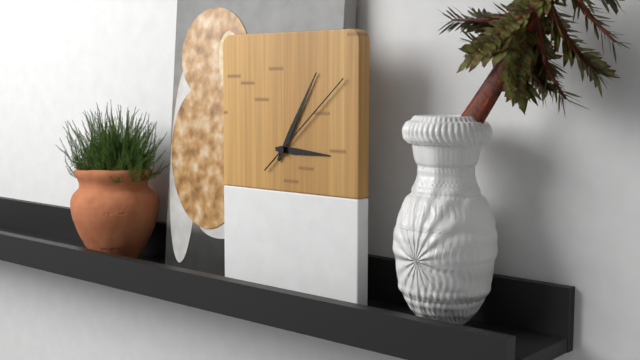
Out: 3,05,08
